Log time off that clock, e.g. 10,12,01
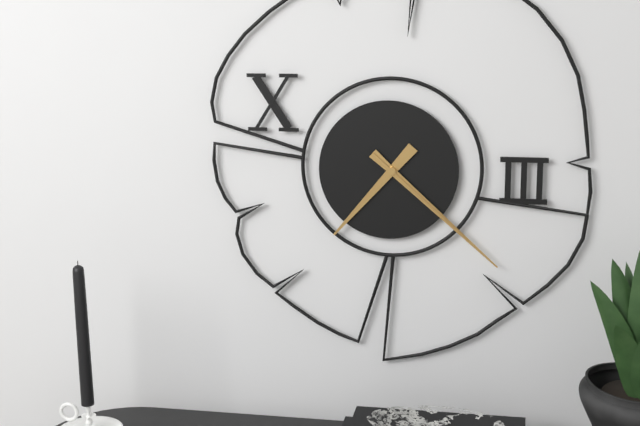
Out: 7,22,22
